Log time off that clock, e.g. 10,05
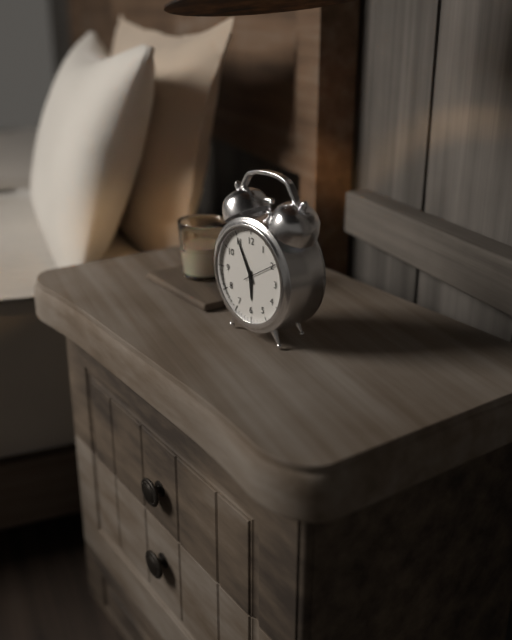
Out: 5,55
